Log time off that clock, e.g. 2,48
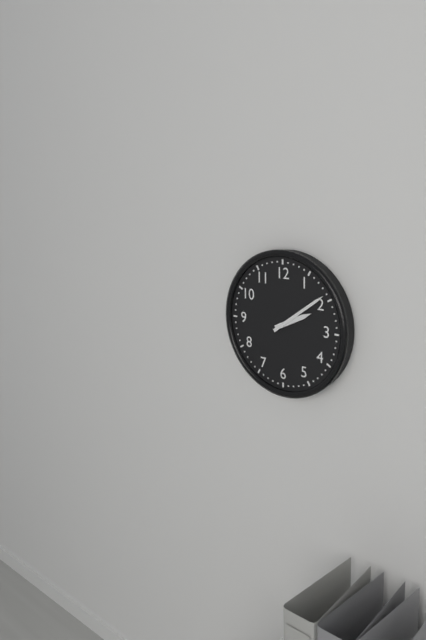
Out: 2,09
